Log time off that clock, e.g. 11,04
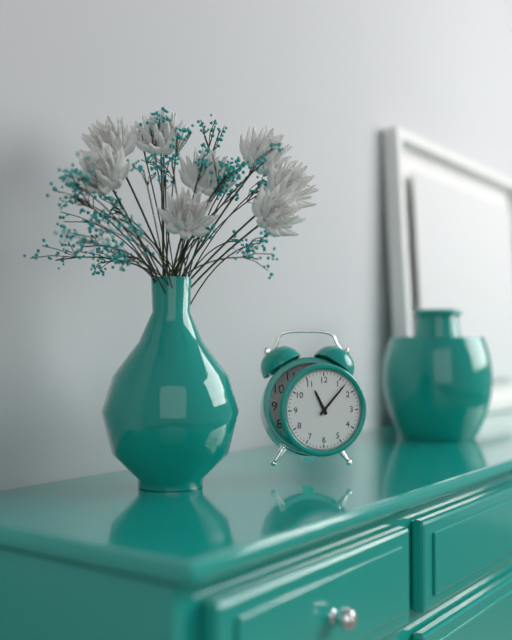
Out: 11,07
